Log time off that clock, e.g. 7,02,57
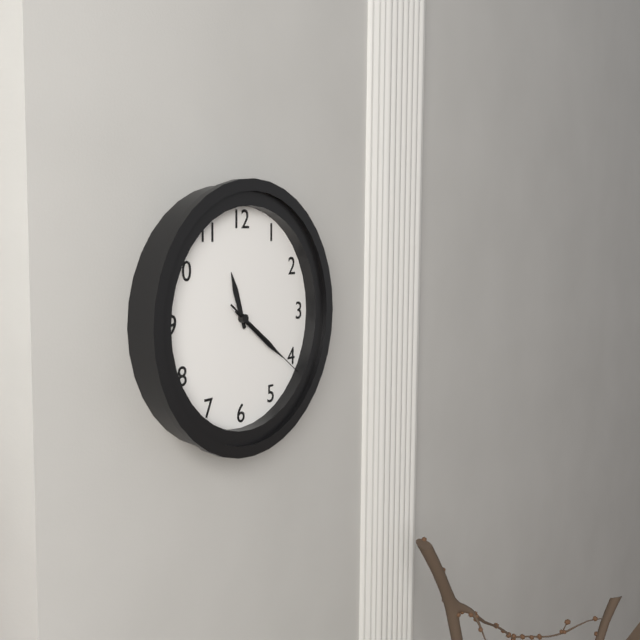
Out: 11,21,21
